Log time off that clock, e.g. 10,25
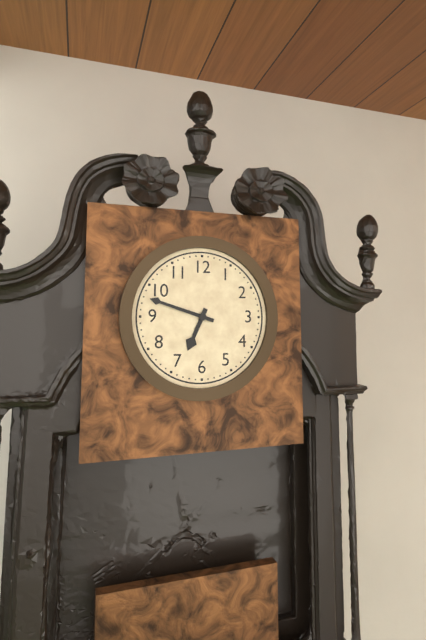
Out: 6,48
